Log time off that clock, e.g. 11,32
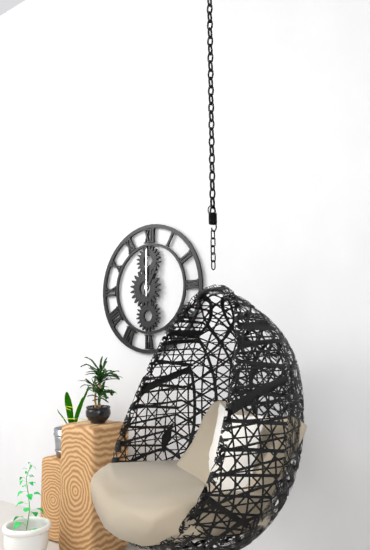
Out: 1,00
